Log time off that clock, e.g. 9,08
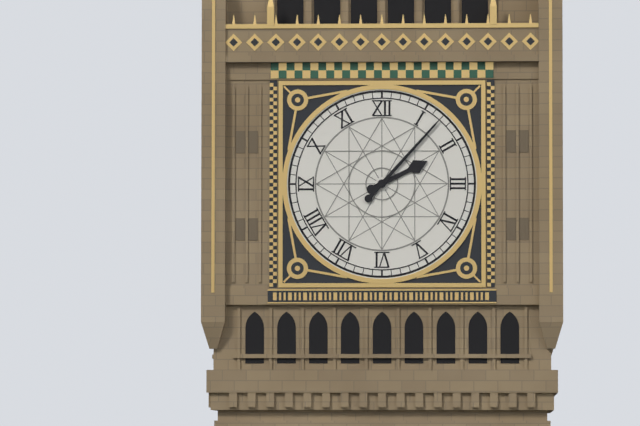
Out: 2,07
